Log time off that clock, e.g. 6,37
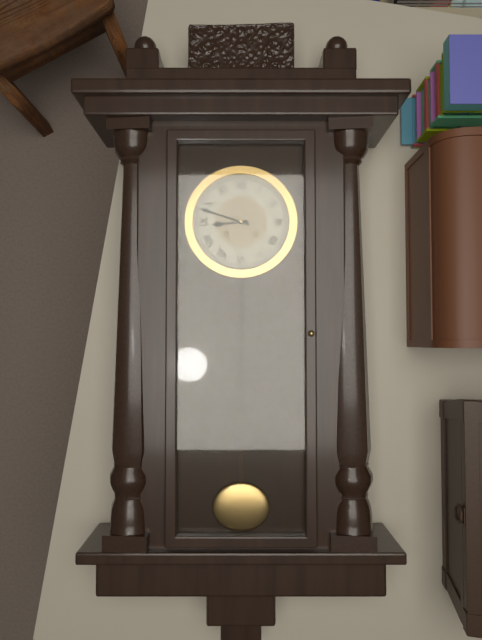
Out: 8,48
